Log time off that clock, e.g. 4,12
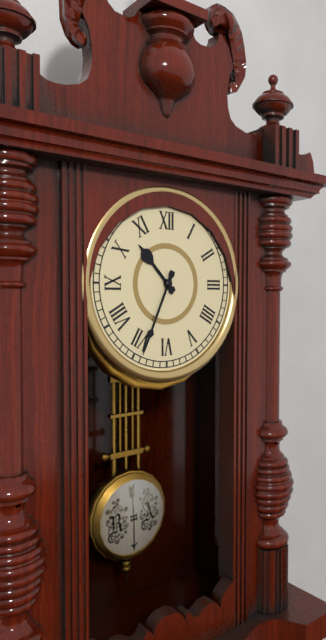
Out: 10,34
